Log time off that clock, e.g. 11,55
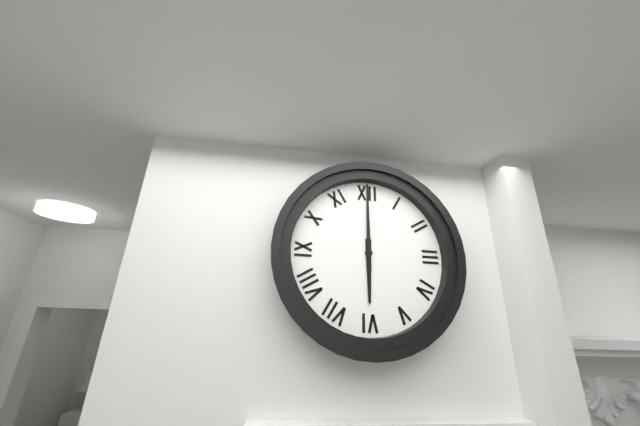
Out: 6,00
